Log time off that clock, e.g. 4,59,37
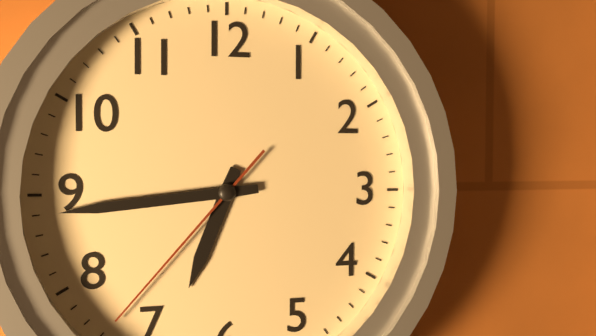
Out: 6,44,37
